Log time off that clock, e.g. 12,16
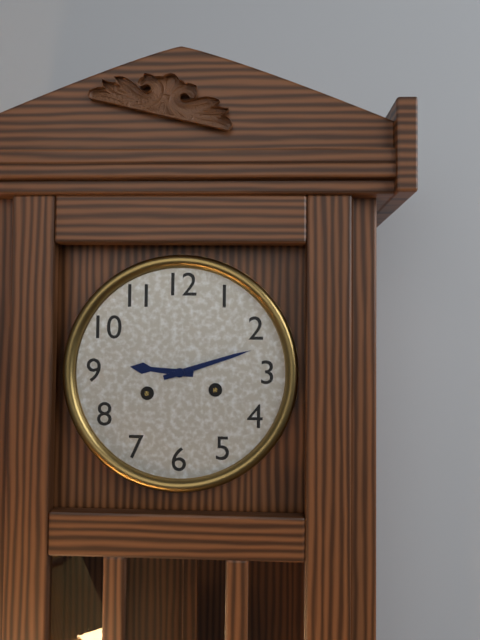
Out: 9,12
